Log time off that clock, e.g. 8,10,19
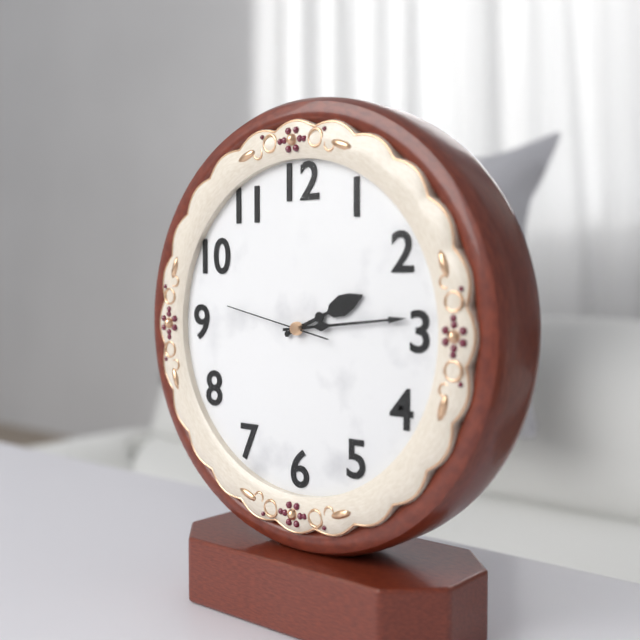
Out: 2,14,47
